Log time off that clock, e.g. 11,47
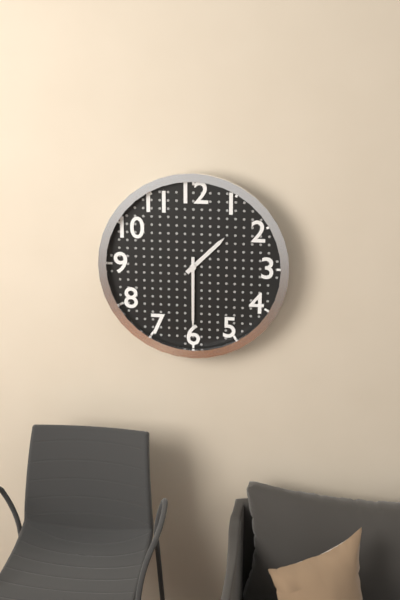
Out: 1,30
